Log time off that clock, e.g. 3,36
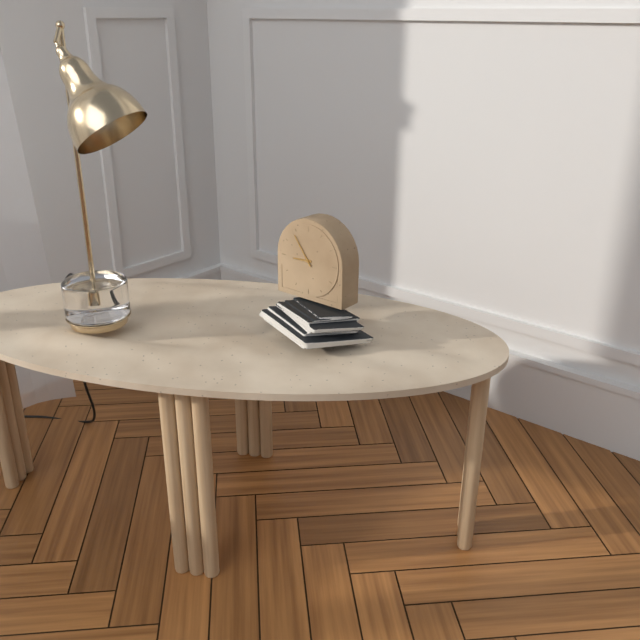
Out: 8,54
